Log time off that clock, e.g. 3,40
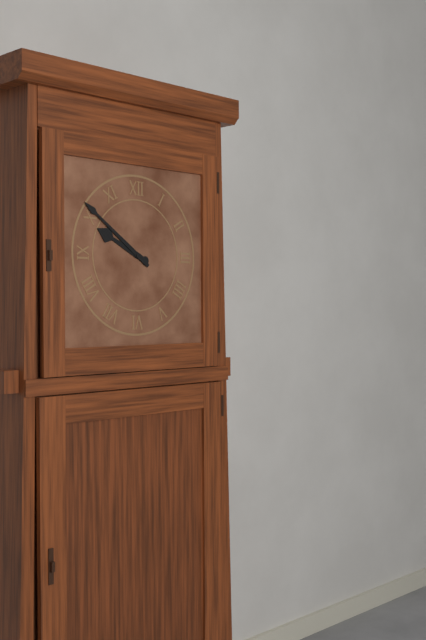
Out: 9,51
